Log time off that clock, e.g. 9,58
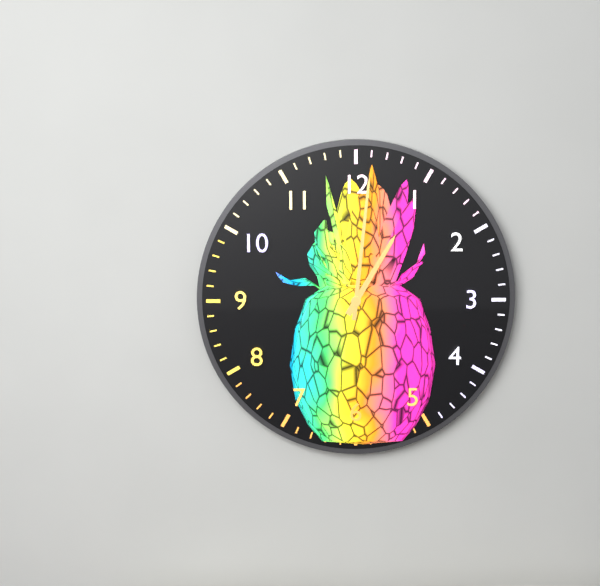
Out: 1,01
